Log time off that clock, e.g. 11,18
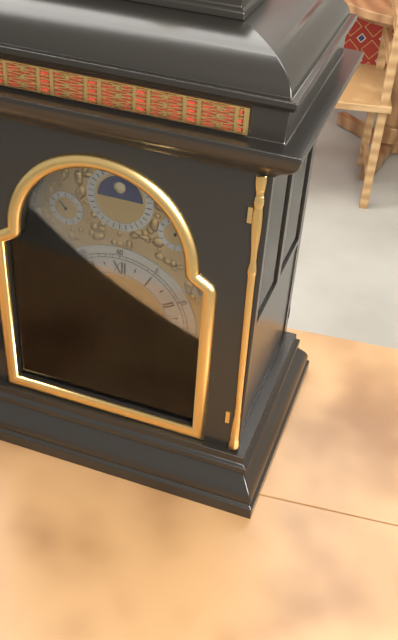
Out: 4,41
